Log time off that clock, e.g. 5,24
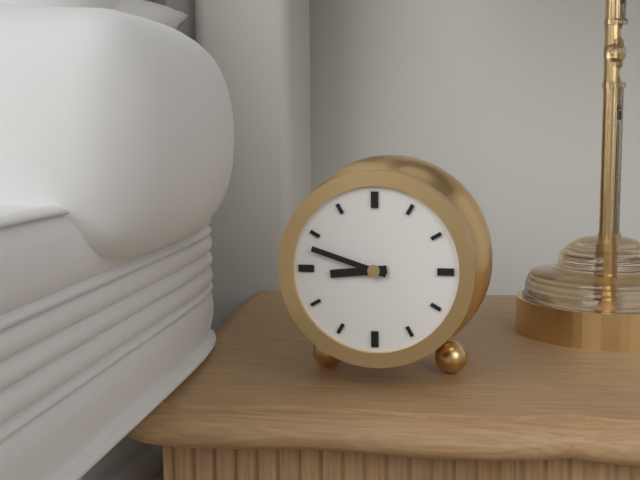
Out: 8,48
